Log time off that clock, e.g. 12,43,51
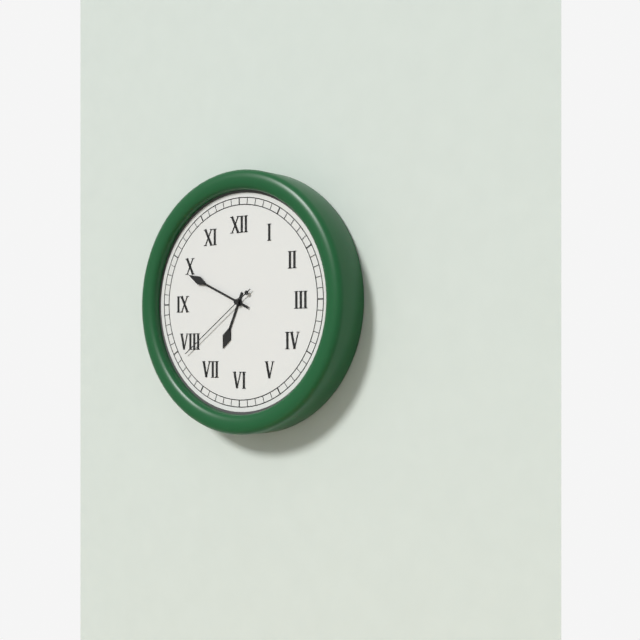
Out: 6,49,39
